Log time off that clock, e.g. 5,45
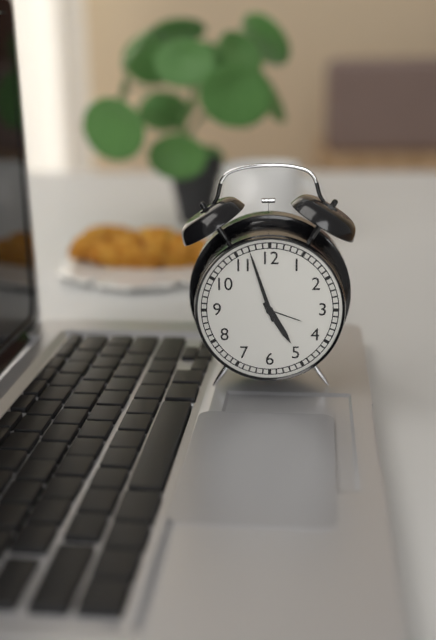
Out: 4,57
